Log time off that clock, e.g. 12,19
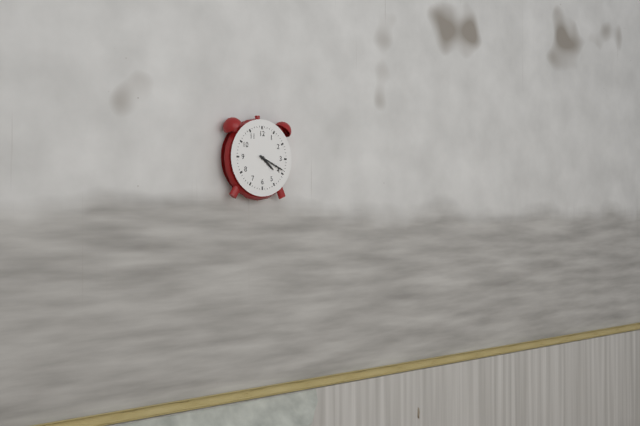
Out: 4,19
